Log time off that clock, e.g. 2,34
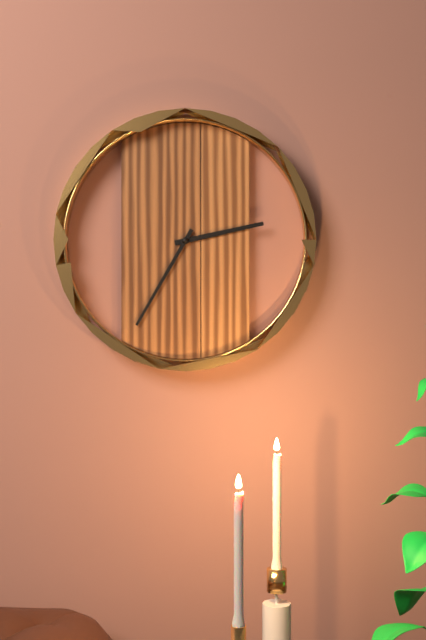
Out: 2,35
